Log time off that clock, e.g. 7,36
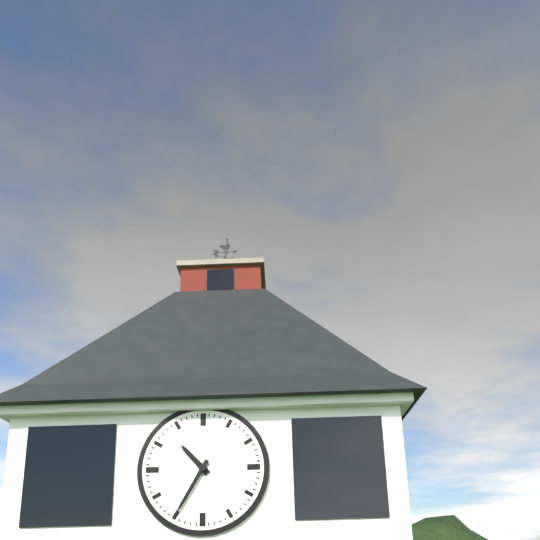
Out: 10,35
